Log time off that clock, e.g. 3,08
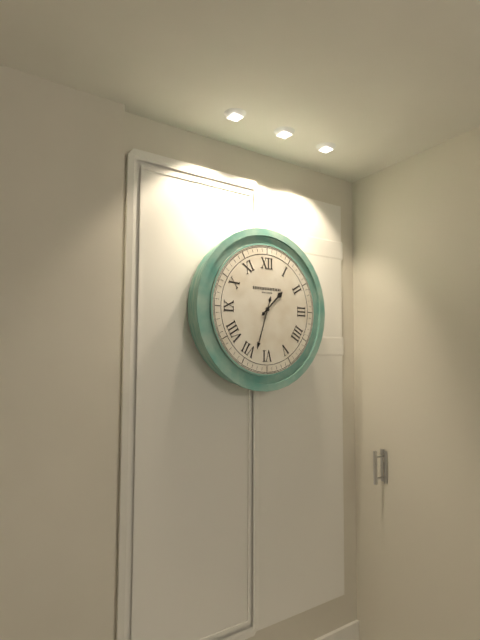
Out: 1,33
